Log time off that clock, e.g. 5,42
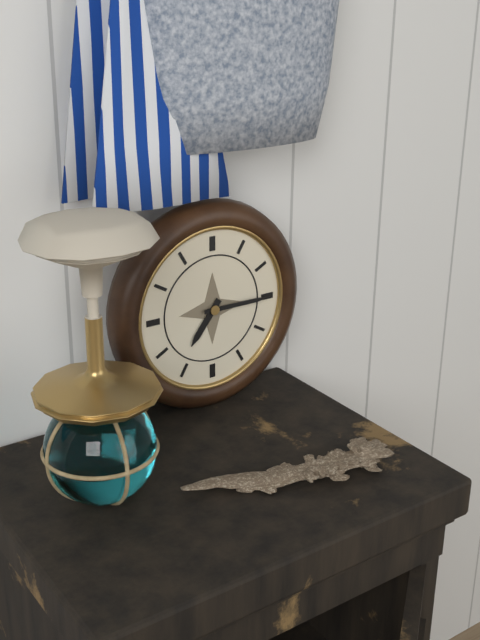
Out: 7,15
